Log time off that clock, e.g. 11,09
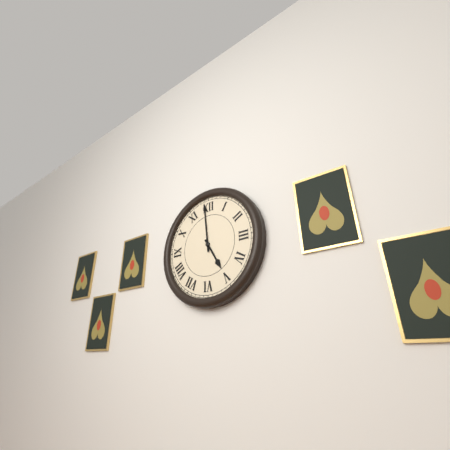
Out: 4,59
